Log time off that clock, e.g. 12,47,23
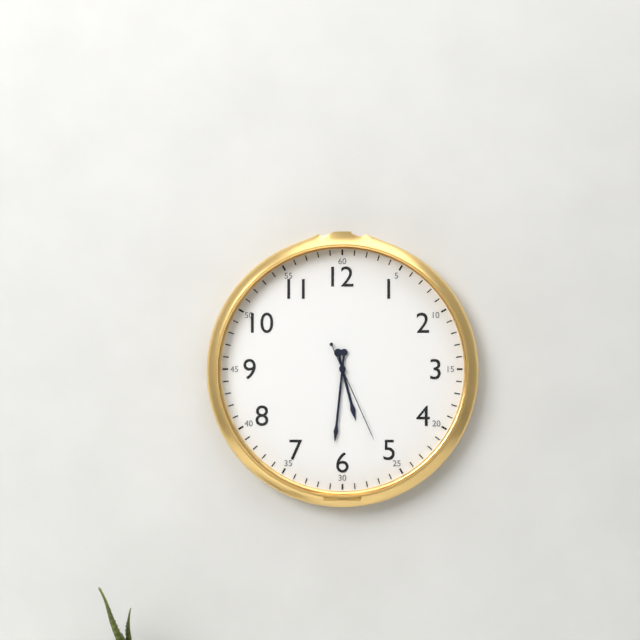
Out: 5,31,26
